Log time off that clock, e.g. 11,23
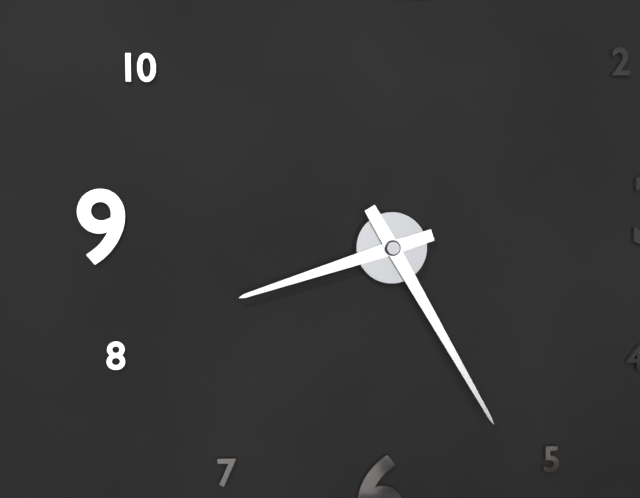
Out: 8,25
